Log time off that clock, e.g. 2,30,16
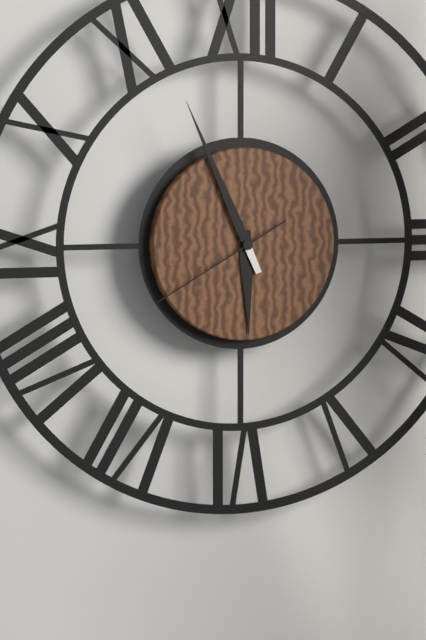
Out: 5,56,40
